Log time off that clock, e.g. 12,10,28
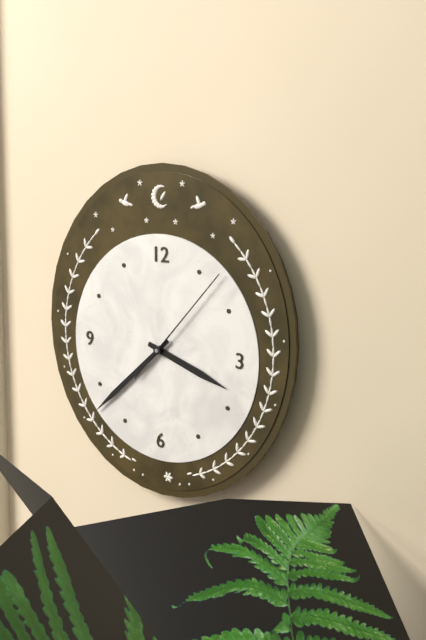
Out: 3,38,07
